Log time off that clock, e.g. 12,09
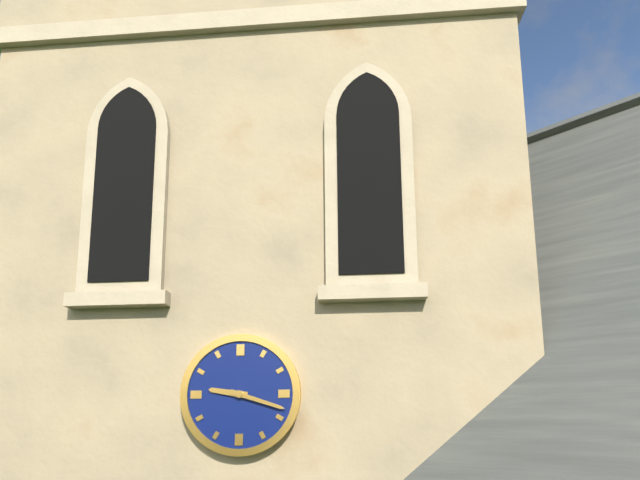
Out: 9,18
